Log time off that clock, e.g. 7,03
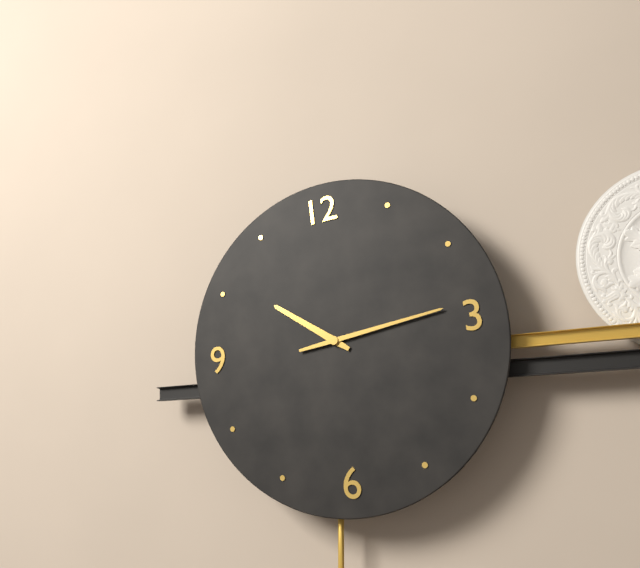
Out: 10,14
